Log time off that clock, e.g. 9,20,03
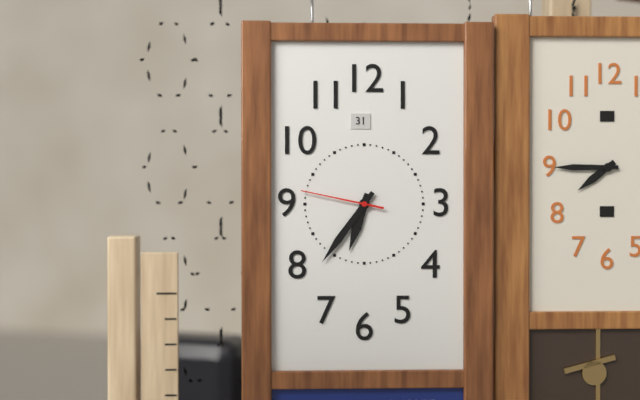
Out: 6,36,47
